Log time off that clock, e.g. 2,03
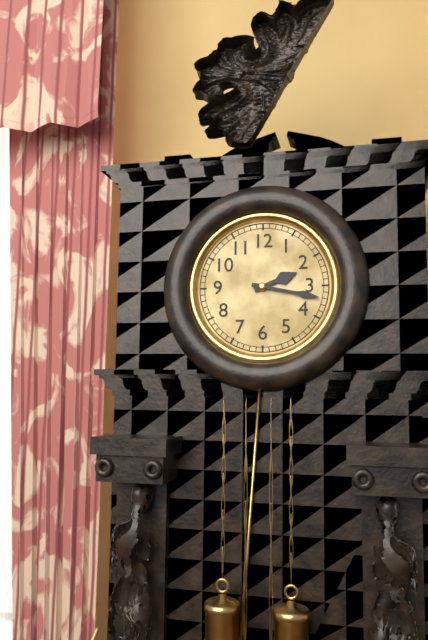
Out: 2,17
